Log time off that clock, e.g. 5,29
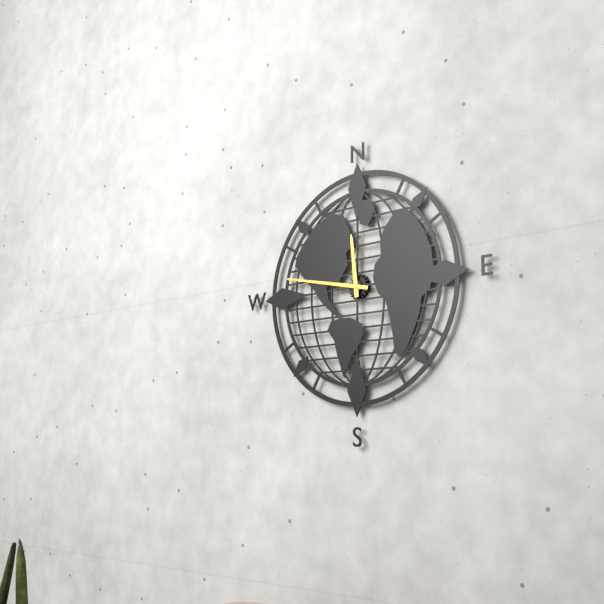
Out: 11,47
